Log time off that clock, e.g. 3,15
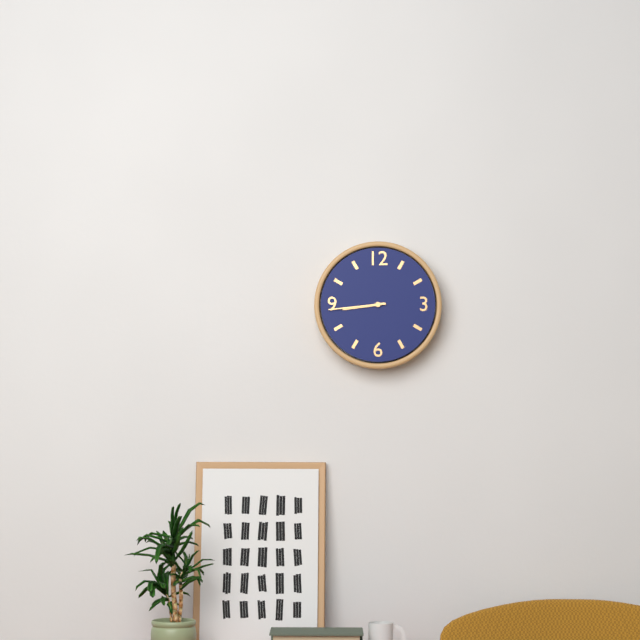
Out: 8,44
